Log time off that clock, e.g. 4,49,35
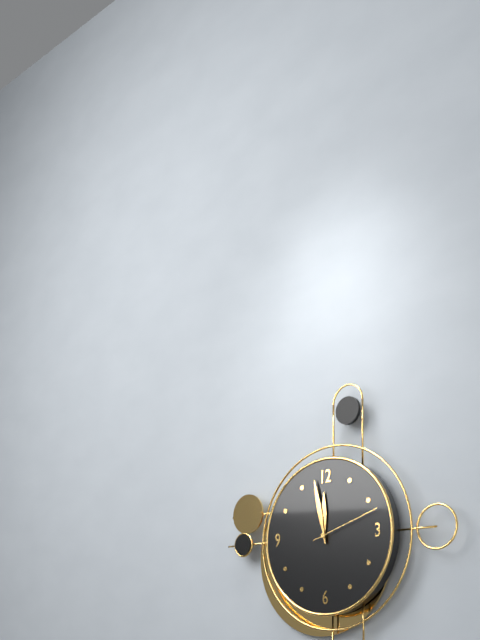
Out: 11,58,12
